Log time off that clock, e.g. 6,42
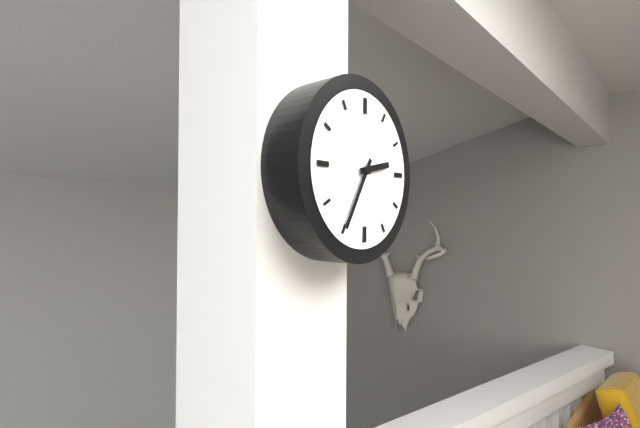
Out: 2,35
